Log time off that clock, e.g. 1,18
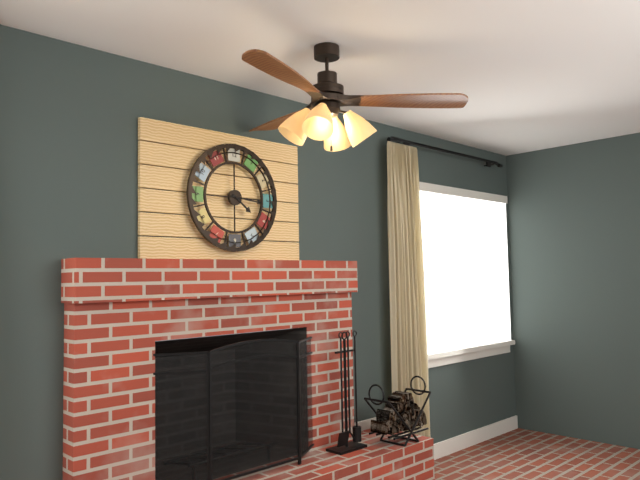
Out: 4,16
